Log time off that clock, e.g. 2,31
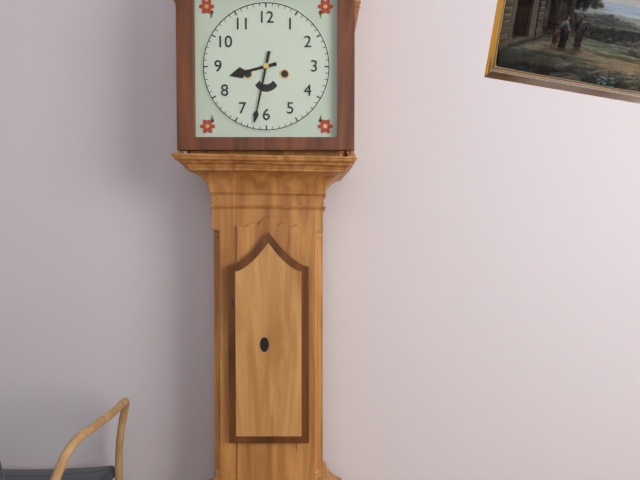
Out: 8,32
